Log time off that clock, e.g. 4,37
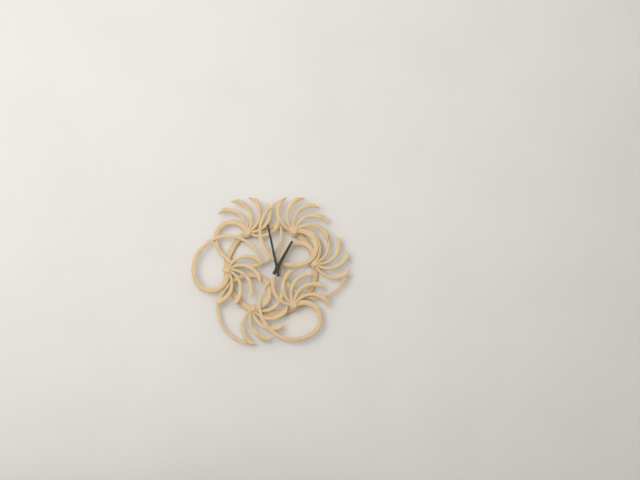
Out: 12,58
